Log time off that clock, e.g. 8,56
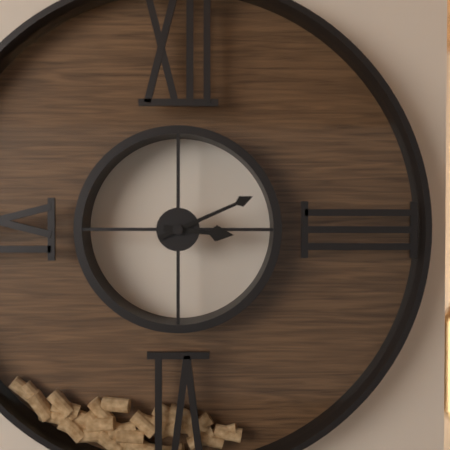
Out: 3,11
